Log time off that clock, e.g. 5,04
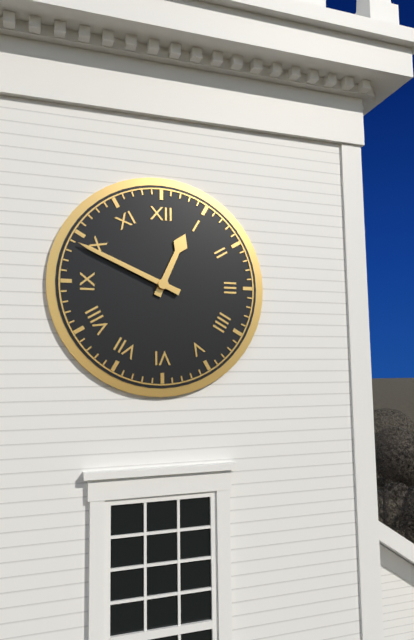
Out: 12,49
